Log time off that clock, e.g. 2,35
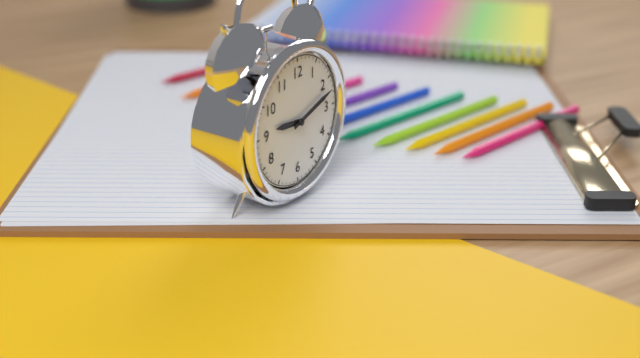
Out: 9,12
